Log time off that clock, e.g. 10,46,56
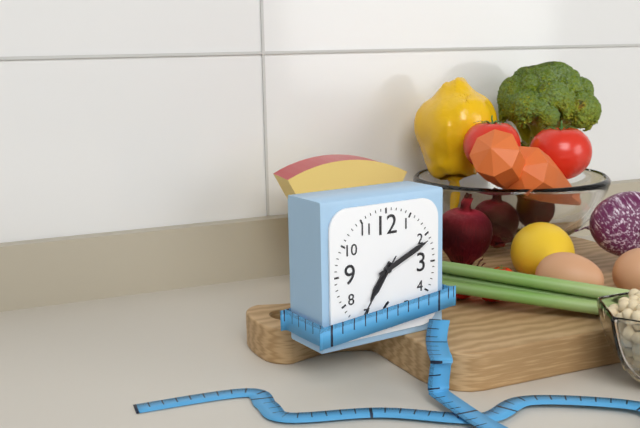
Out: 7,11,36
